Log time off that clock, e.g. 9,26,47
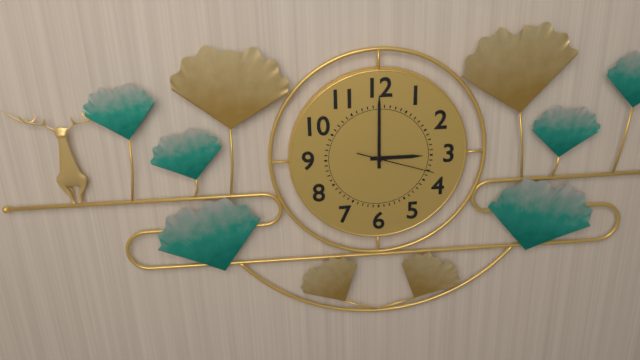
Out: 3,00,18
